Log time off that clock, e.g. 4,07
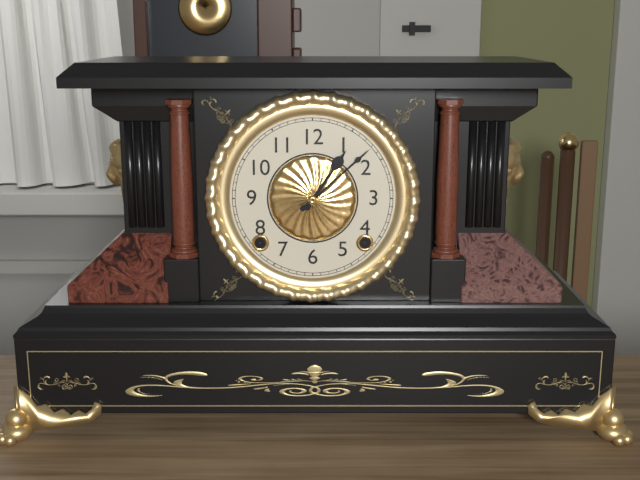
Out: 1,08
